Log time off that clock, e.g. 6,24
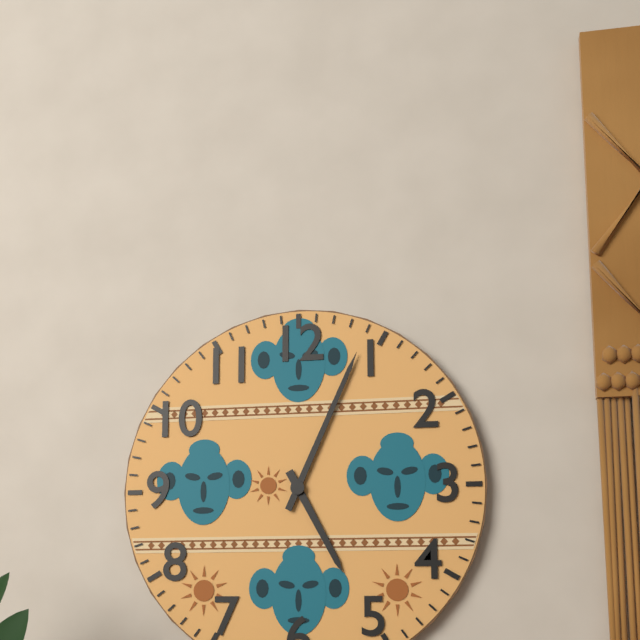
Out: 5,04
